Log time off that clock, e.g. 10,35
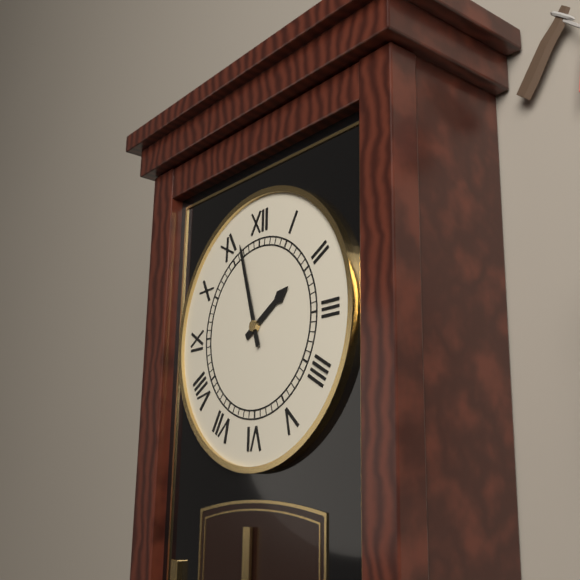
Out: 1,57
